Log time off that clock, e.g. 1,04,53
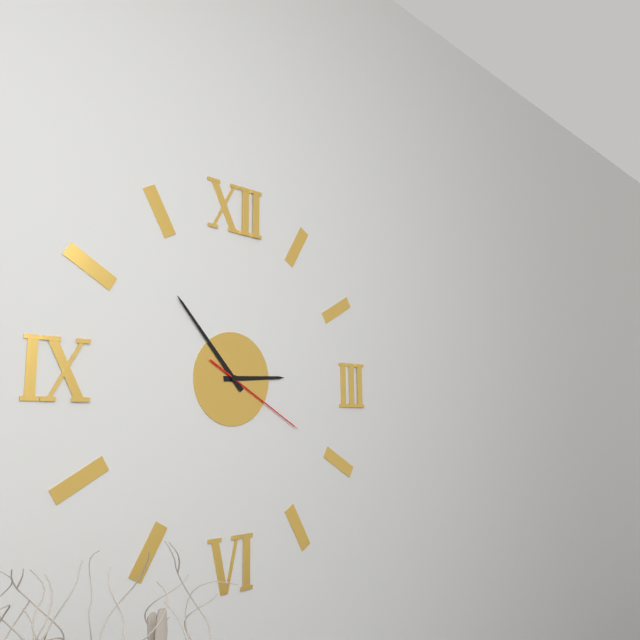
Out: 2,53,20
